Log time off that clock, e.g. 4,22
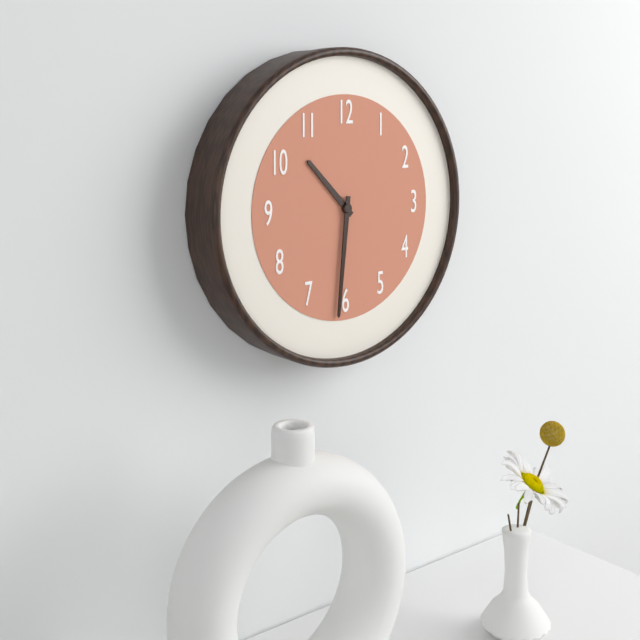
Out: 10,31
